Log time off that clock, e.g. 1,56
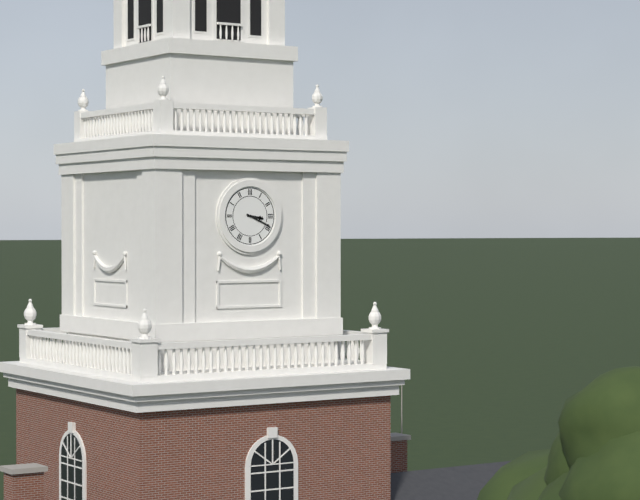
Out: 3,19
